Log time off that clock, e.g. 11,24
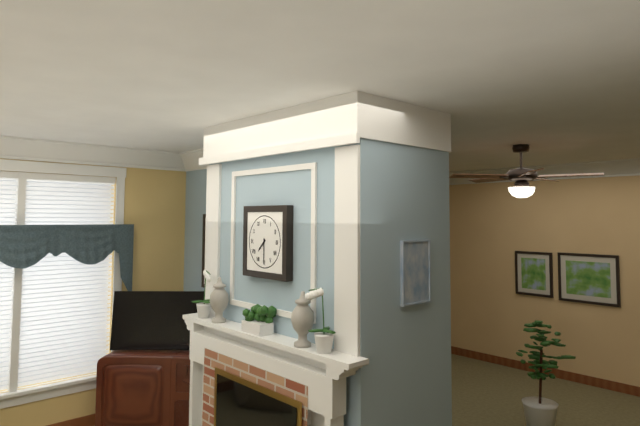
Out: 7,30
